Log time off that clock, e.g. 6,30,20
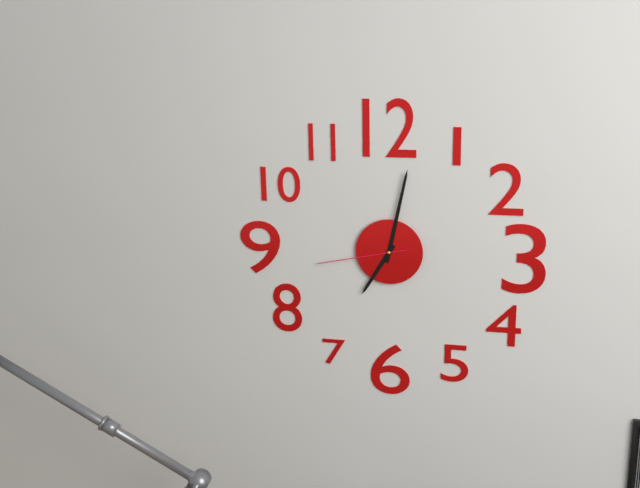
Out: 7,02,43
